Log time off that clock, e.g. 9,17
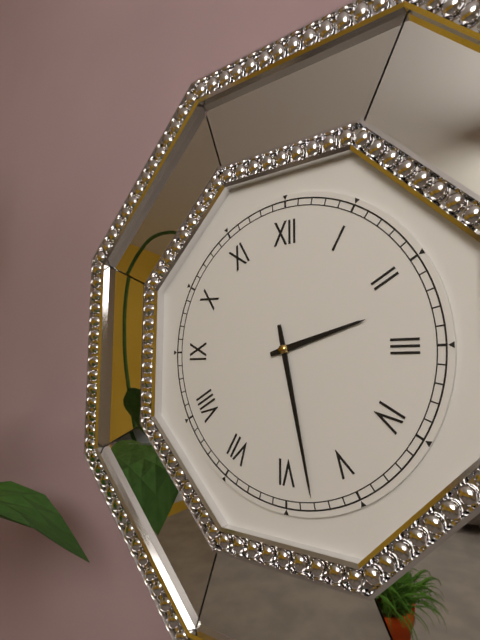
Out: 2,28
